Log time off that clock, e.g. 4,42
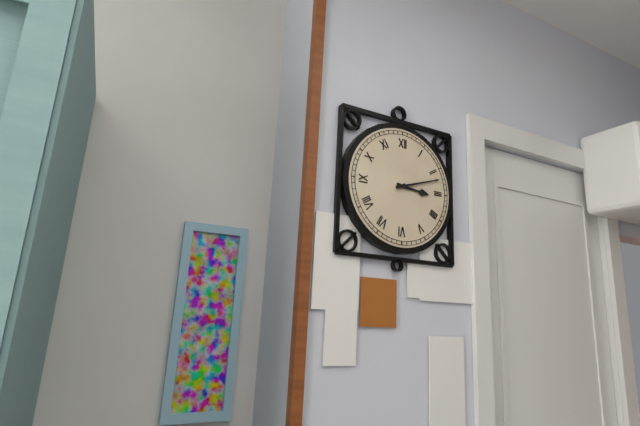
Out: 3,12
